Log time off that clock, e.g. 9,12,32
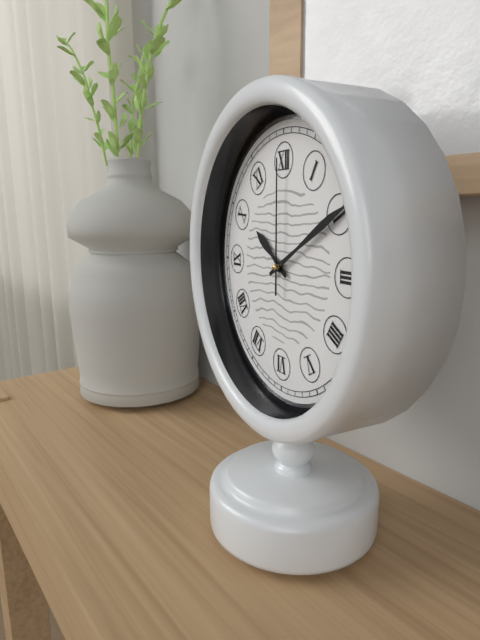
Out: 10,10,00
